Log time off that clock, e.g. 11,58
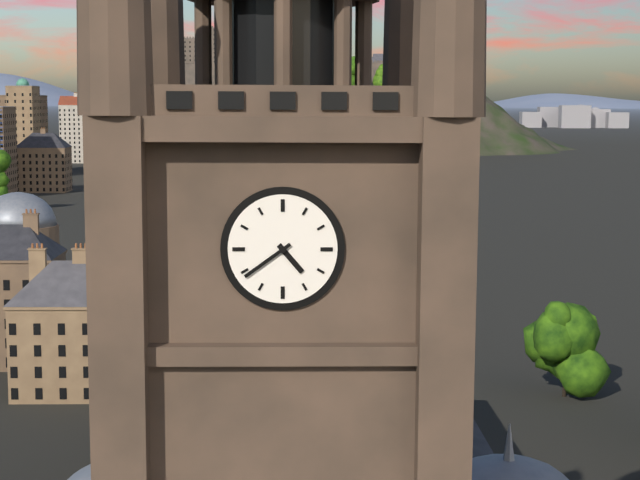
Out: 4,39
